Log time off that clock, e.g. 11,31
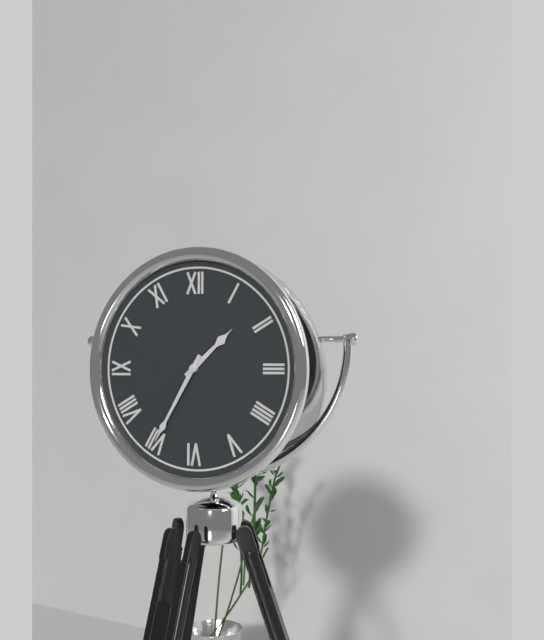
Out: 1,35
